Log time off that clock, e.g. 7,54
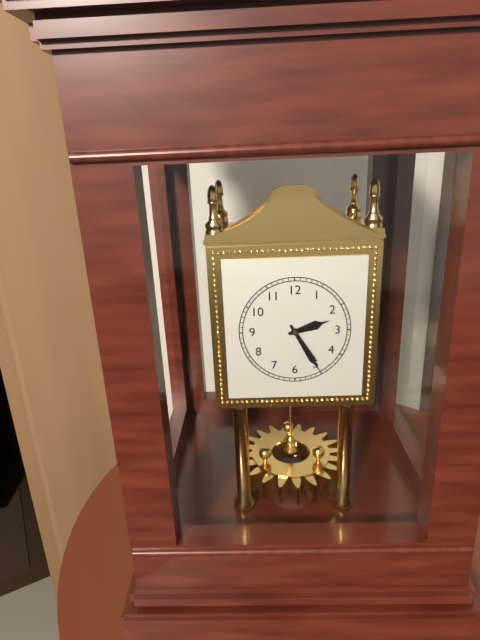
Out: 2,25
